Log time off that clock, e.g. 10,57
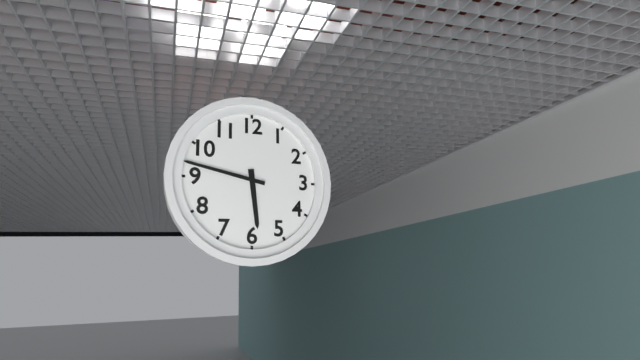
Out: 5,47
